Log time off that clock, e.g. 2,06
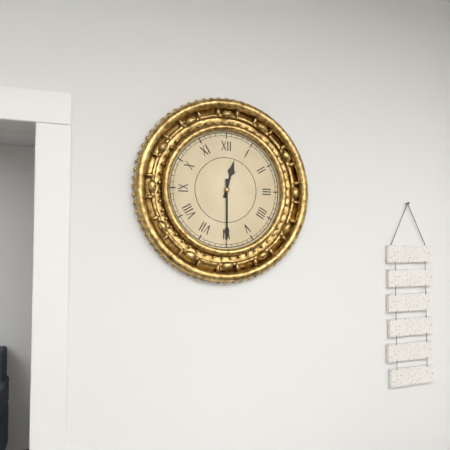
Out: 12,30
